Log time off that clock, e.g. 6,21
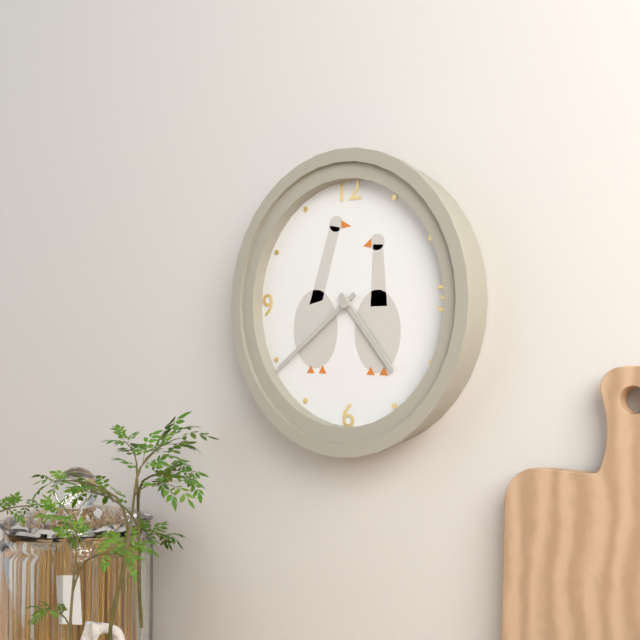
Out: 4,39
